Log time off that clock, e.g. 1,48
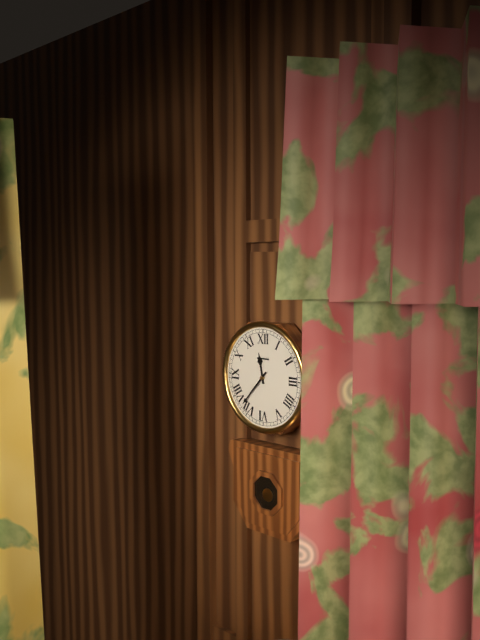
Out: 11,37
